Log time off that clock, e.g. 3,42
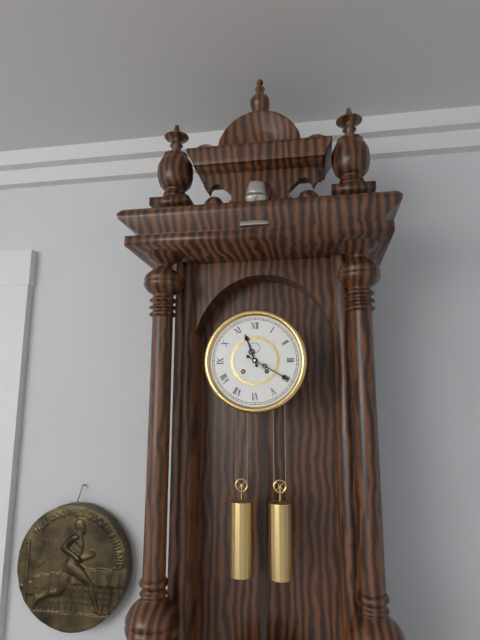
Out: 11,20
